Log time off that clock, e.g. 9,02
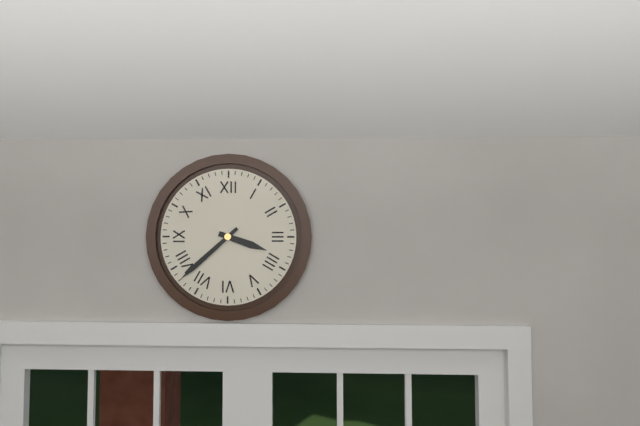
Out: 3,38
